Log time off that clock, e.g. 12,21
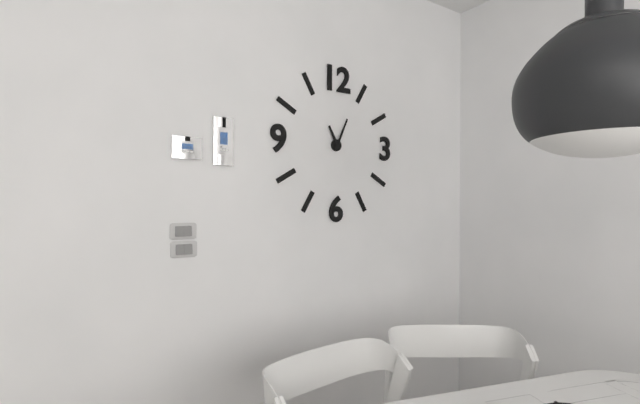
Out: 11,04
